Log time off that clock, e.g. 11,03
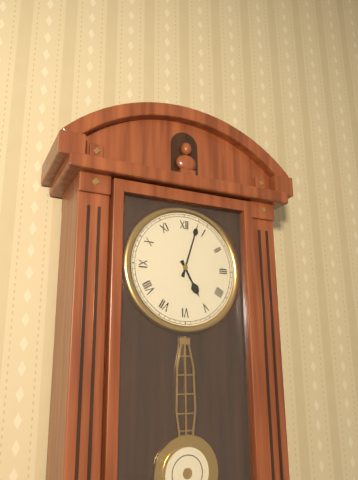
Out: 5,03
